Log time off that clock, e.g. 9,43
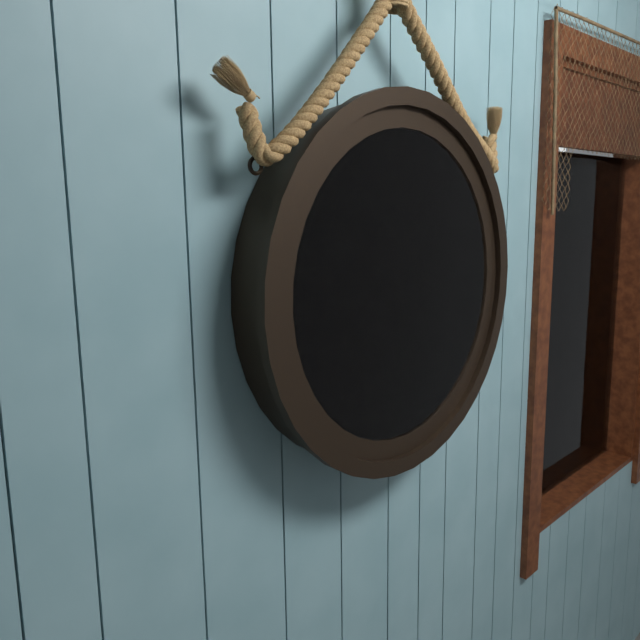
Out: 4,58
